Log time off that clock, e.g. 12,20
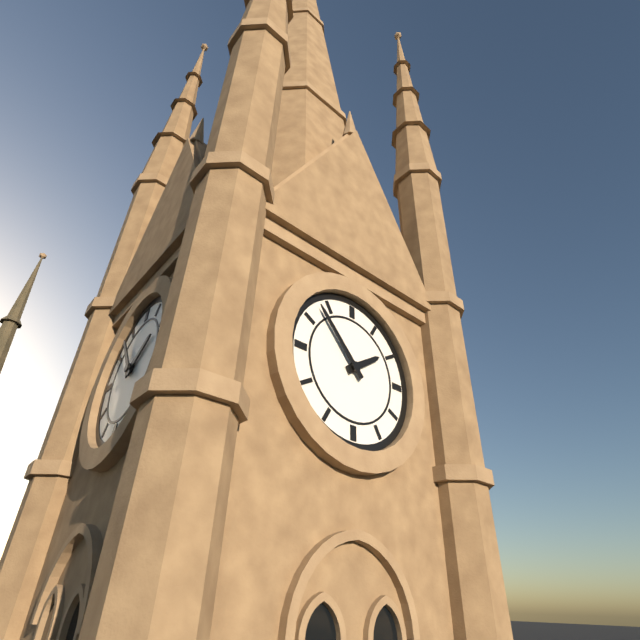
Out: 1,53
